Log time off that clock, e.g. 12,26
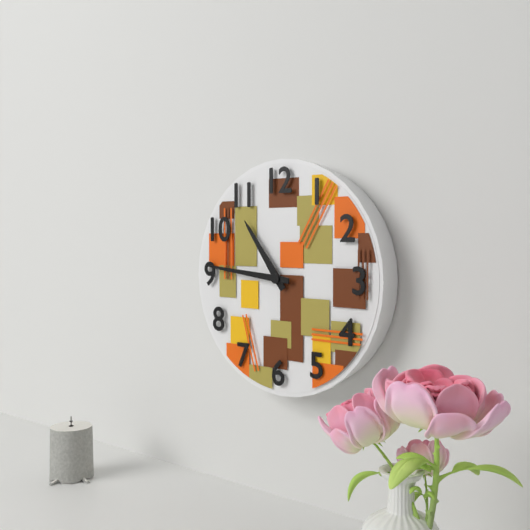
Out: 10,46
